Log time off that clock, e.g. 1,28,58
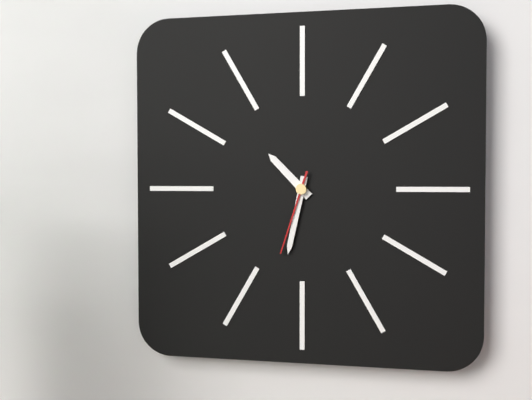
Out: 10,32,33
